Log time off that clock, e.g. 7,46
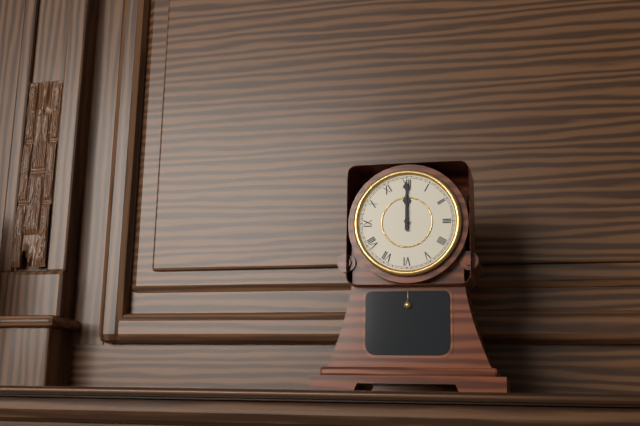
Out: 12,00
